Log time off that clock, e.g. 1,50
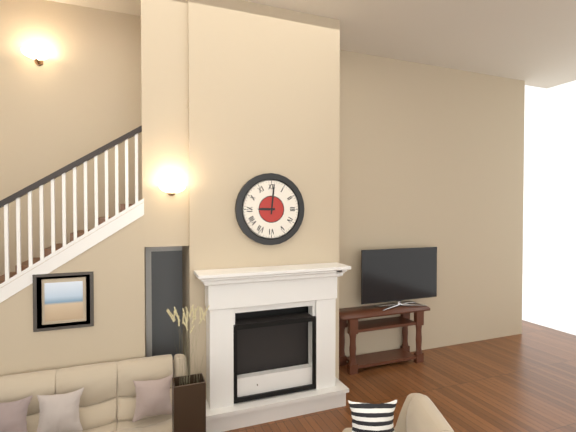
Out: 9,01
